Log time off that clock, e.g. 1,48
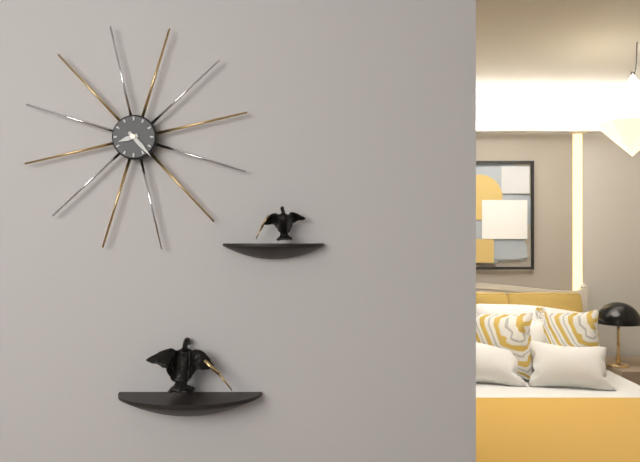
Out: 8,23
